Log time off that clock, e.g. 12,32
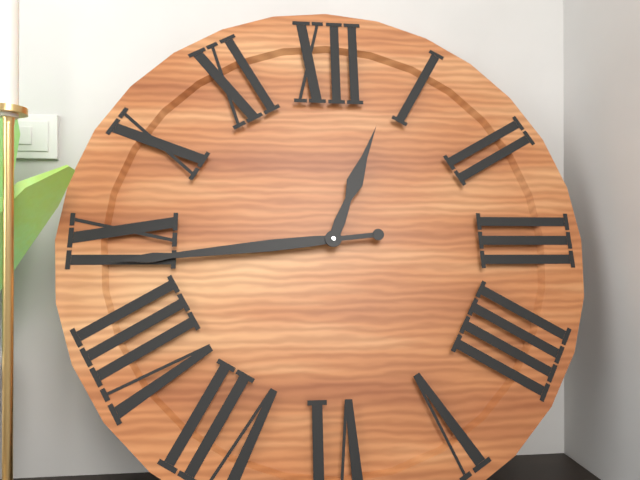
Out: 12,44
